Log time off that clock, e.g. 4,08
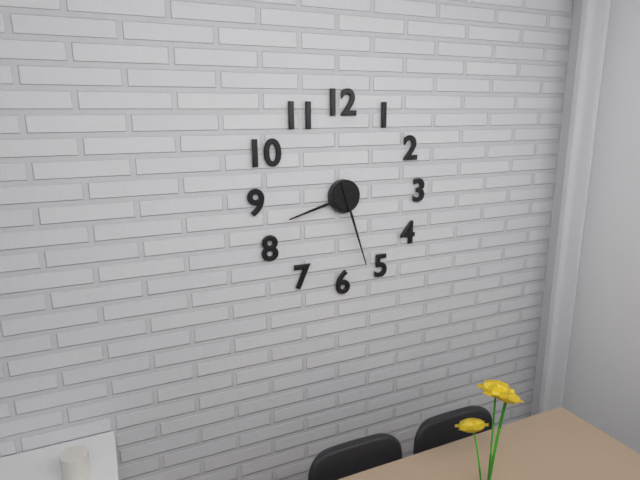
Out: 8,27
